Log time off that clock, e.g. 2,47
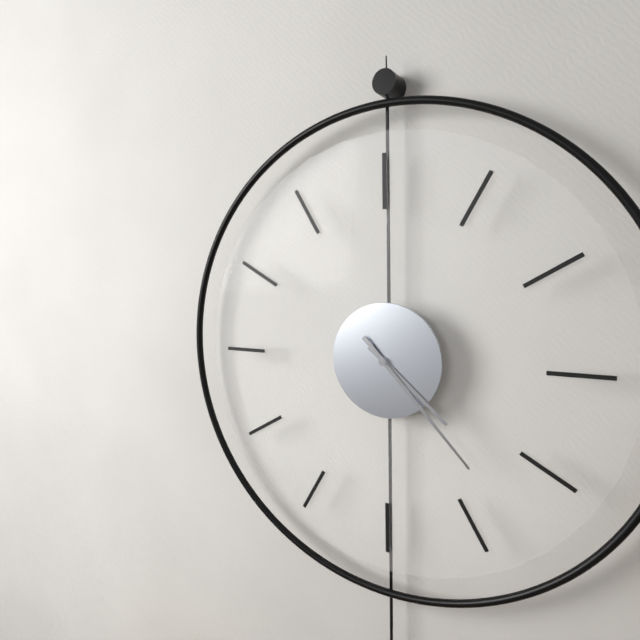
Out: 4,23
